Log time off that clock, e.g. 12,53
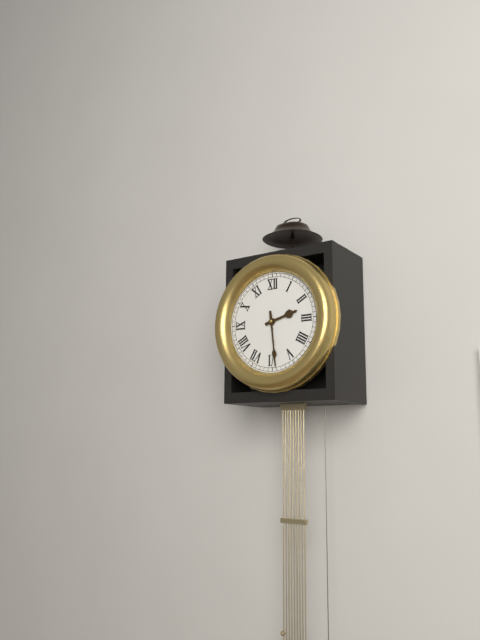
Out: 2,29
